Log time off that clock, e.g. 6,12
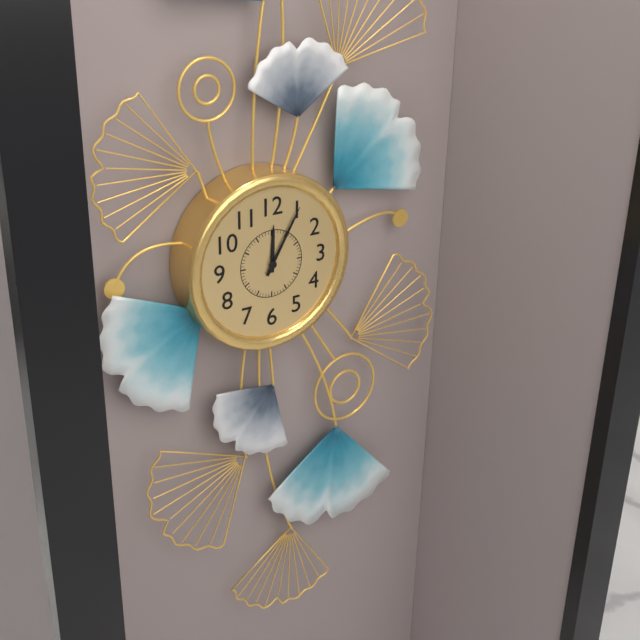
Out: 12,05
